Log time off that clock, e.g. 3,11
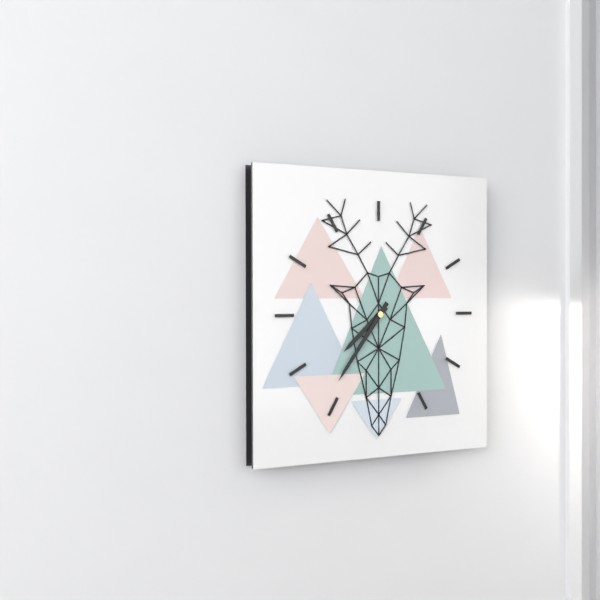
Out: 7,36
